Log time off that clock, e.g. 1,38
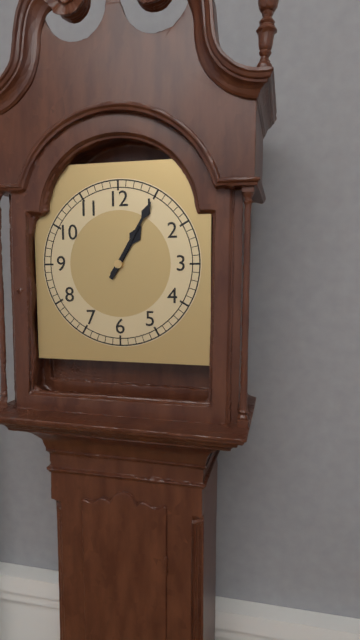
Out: 1,05
